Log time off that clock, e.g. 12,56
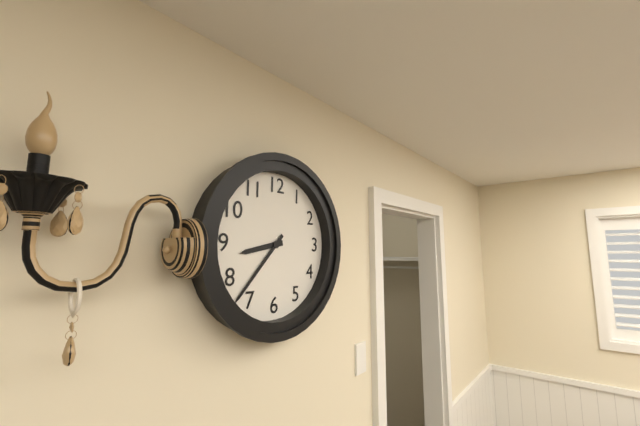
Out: 8,37
